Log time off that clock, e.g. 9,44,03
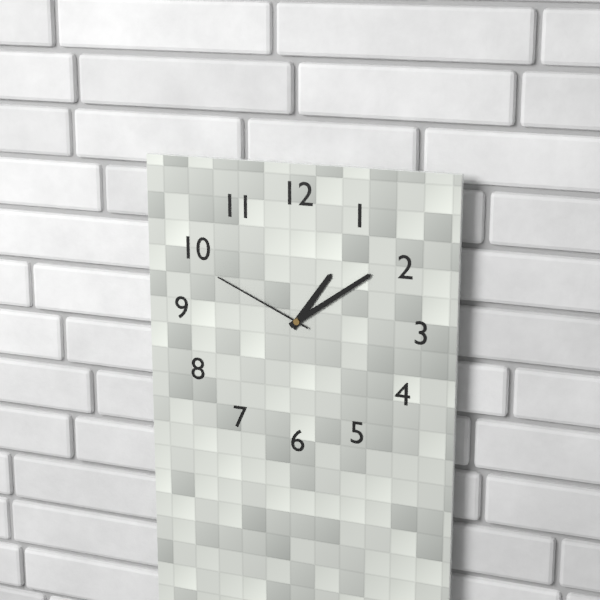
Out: 1,09,49
